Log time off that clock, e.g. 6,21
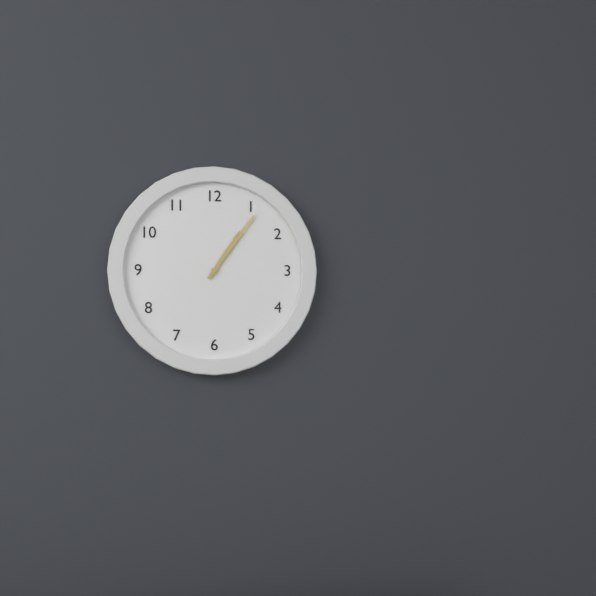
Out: 1,06
